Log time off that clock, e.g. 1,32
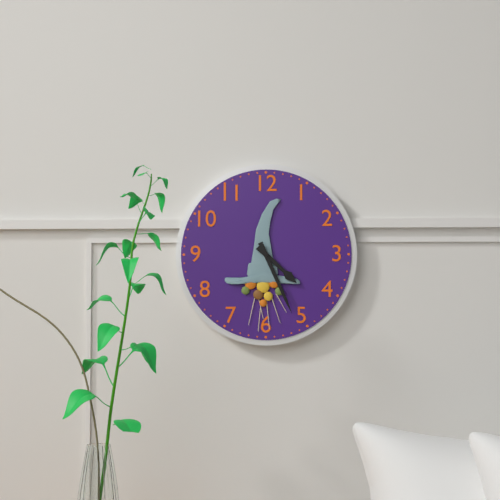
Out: 4,26
